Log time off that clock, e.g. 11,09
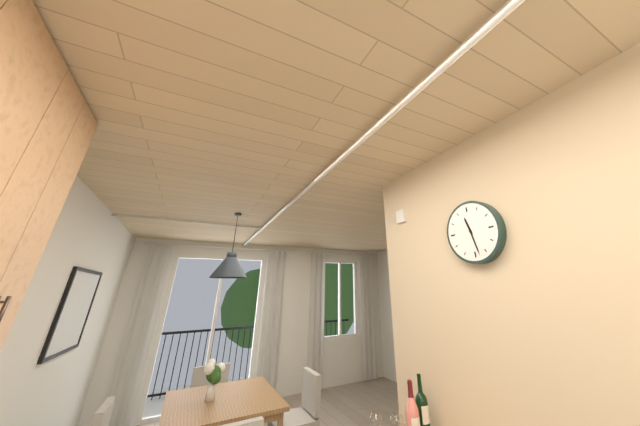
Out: 11,28
